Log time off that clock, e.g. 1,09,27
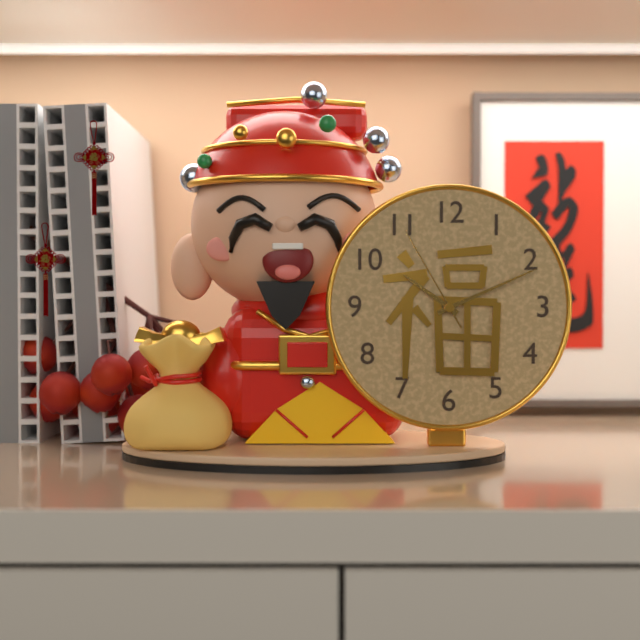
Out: 10,11,55
